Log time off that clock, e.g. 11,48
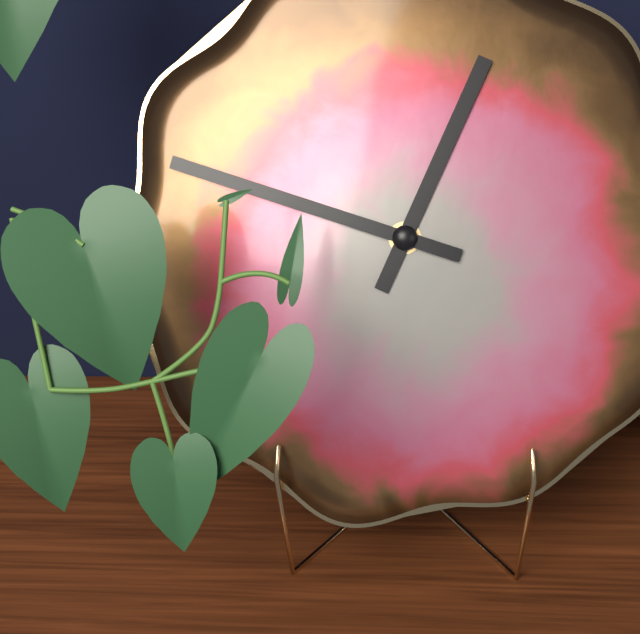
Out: 12,48
